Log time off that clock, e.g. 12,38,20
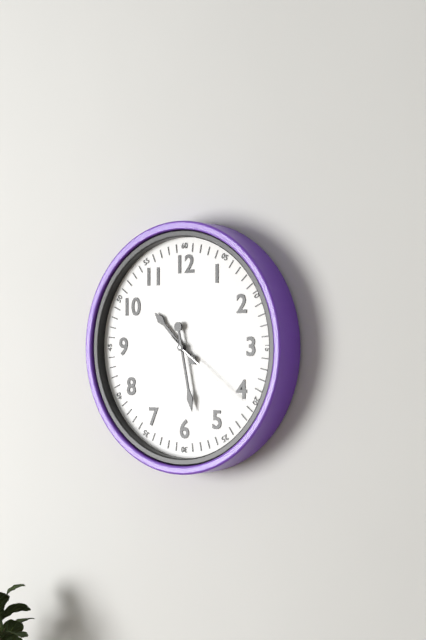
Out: 10,28,21
